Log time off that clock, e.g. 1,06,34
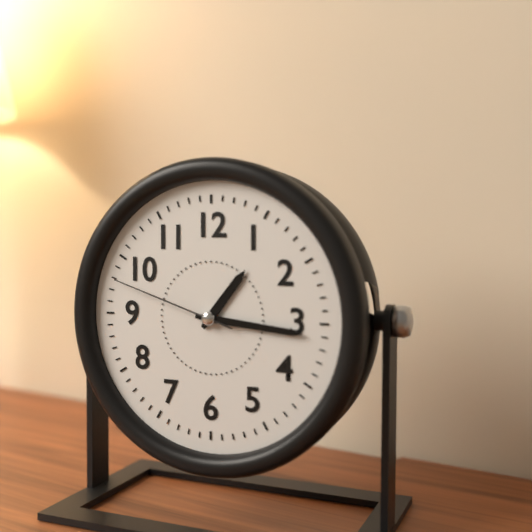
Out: 1,16,48
